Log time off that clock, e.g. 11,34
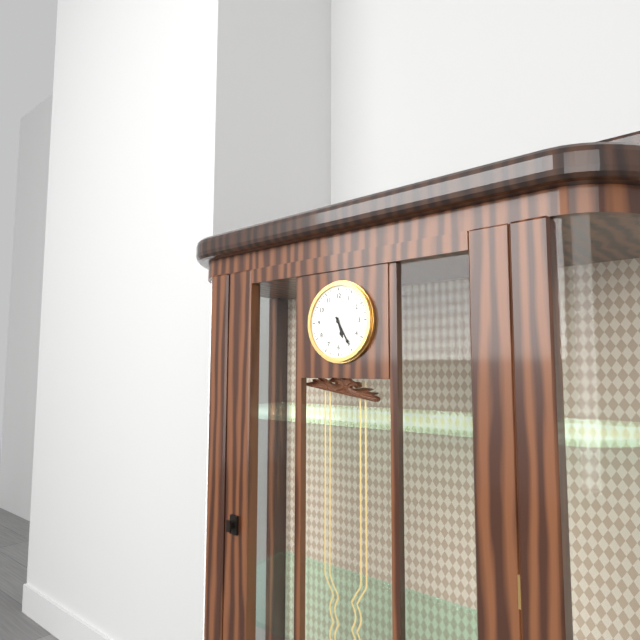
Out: 5,25
